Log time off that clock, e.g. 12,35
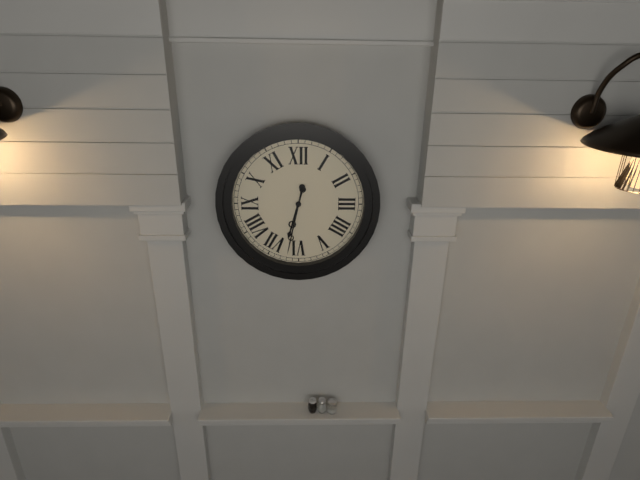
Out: 6,32
